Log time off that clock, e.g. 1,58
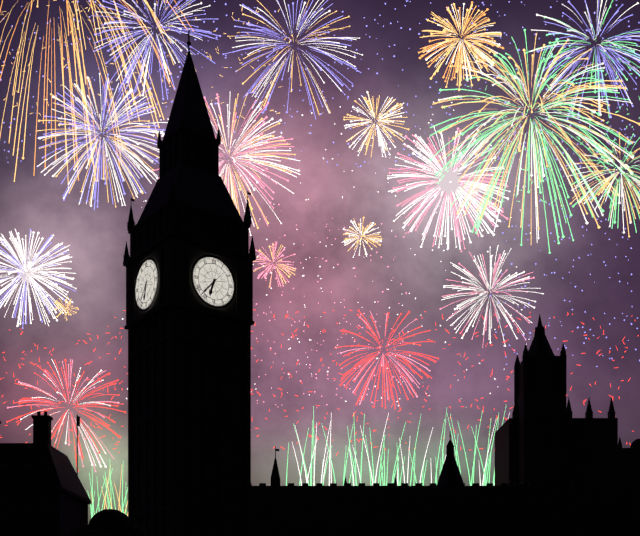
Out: 6,37
